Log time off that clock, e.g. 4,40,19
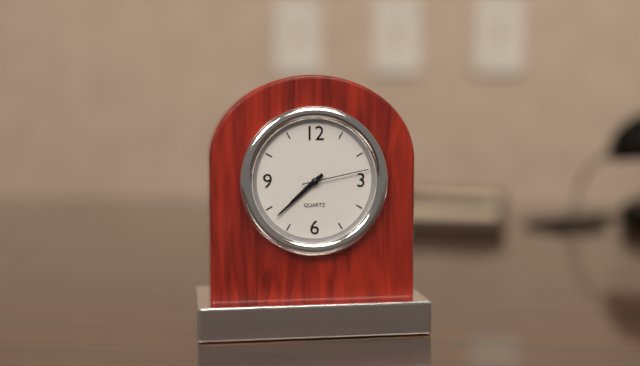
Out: 7,38,13
